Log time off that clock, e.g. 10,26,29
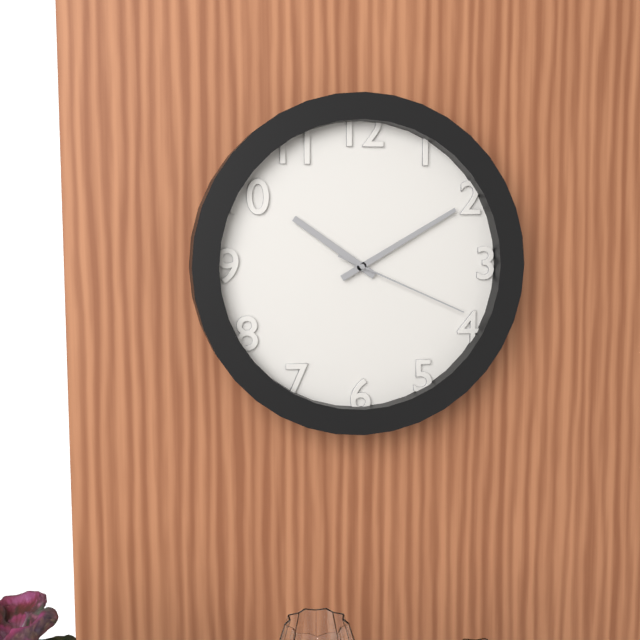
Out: 10,10,19
